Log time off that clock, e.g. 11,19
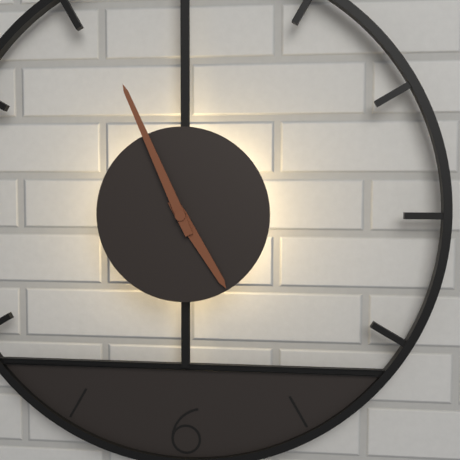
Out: 4,56
